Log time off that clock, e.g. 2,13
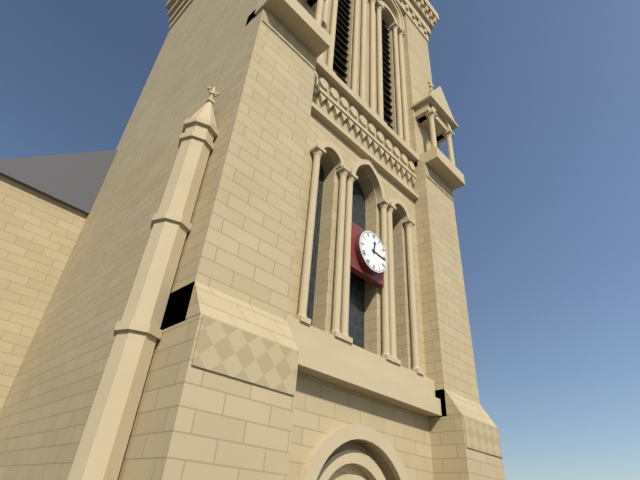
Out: 12,16
